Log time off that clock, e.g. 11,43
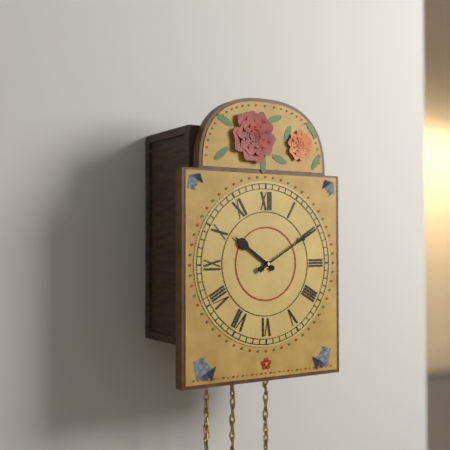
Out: 10,10
